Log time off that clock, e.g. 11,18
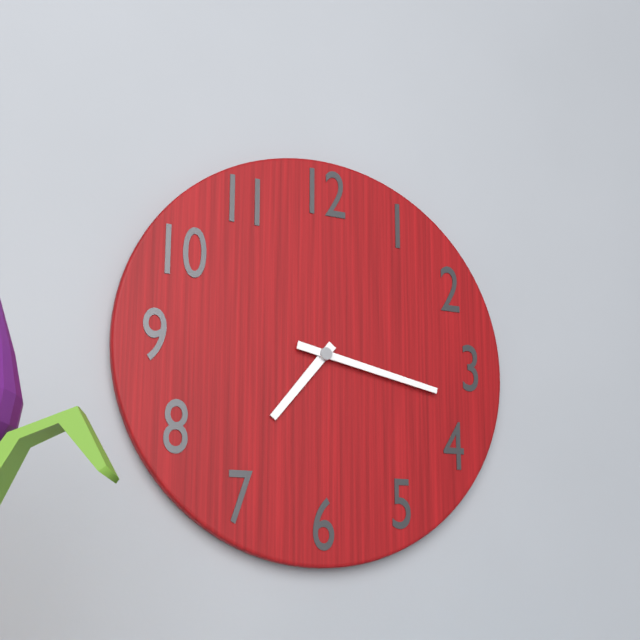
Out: 7,17
